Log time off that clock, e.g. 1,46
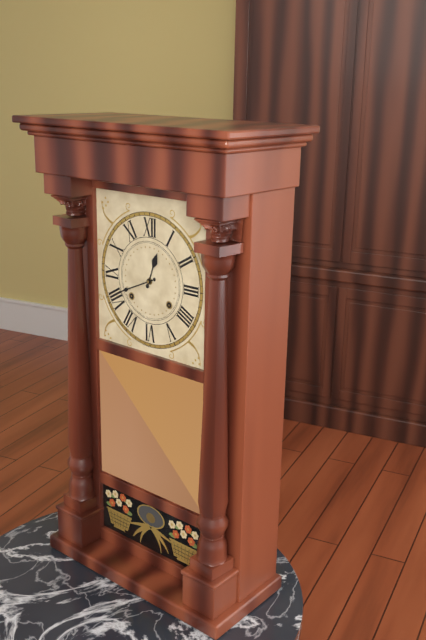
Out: 12,41
